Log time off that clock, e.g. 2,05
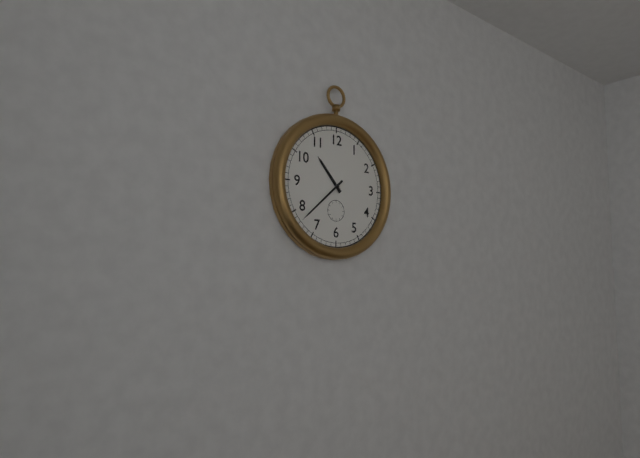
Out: 10,38
